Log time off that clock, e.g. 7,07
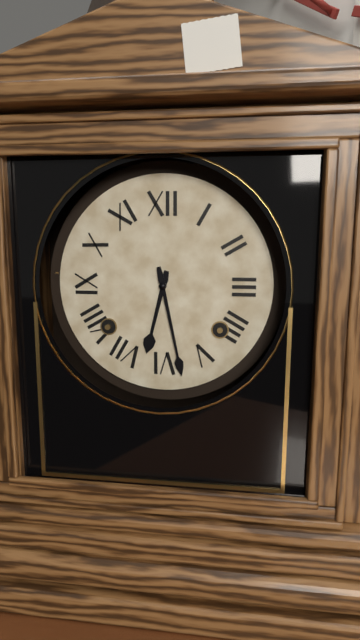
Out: 6,28
